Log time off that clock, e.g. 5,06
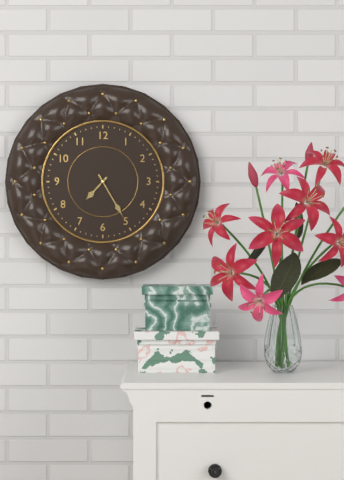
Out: 7,25
